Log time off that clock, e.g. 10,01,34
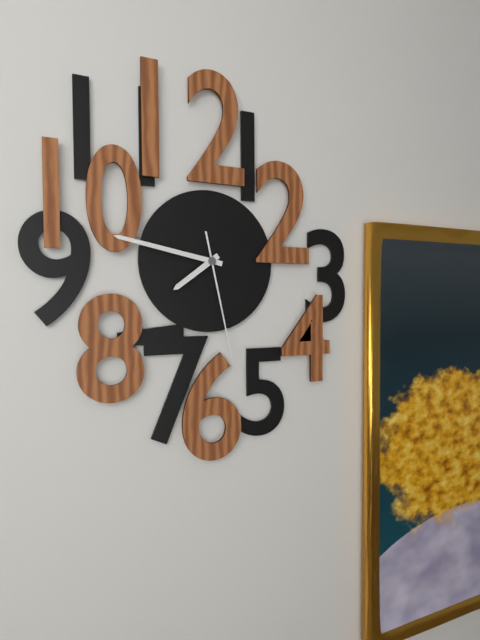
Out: 7,47,28
